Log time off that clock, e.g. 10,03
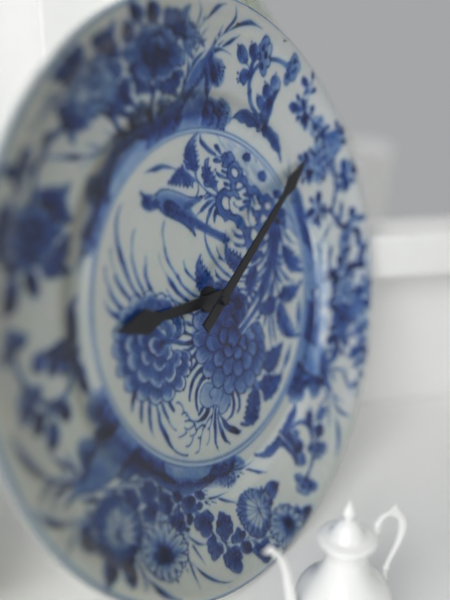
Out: 9,10
